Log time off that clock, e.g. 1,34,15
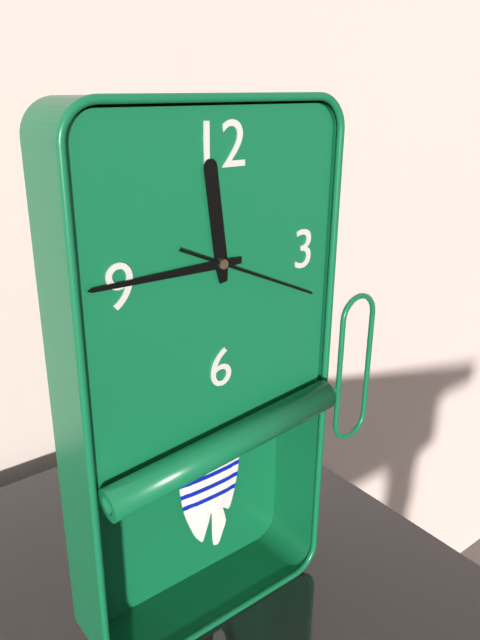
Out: 11,45,19
